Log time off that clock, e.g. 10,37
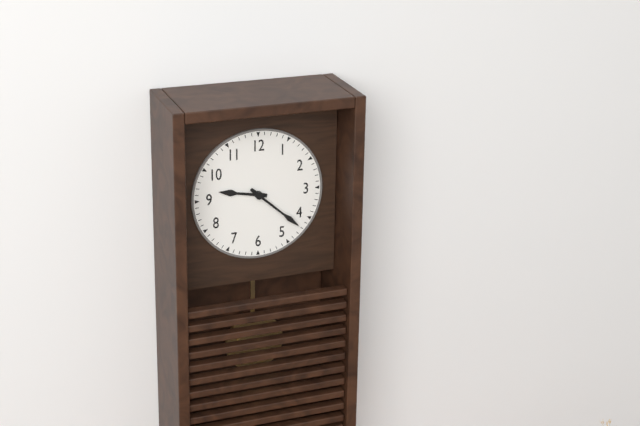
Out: 9,22
